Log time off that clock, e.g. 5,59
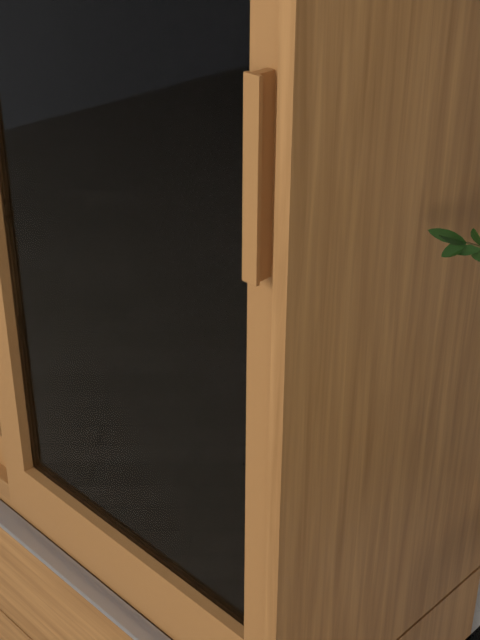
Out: 1,08
